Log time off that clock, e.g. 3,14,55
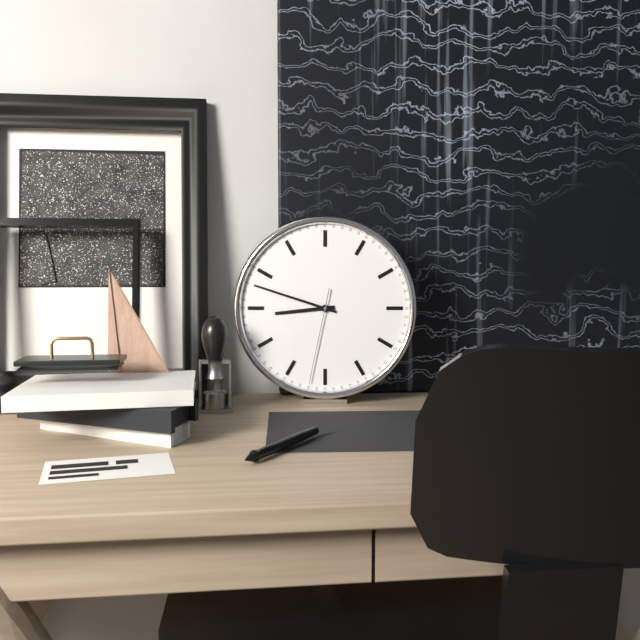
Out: 8,48,32
